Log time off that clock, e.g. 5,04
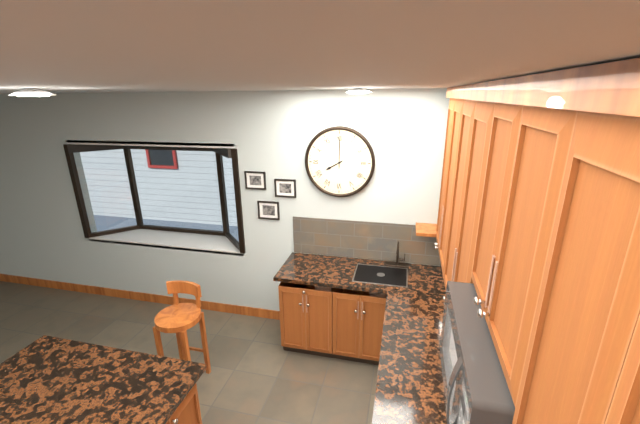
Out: 8,00
